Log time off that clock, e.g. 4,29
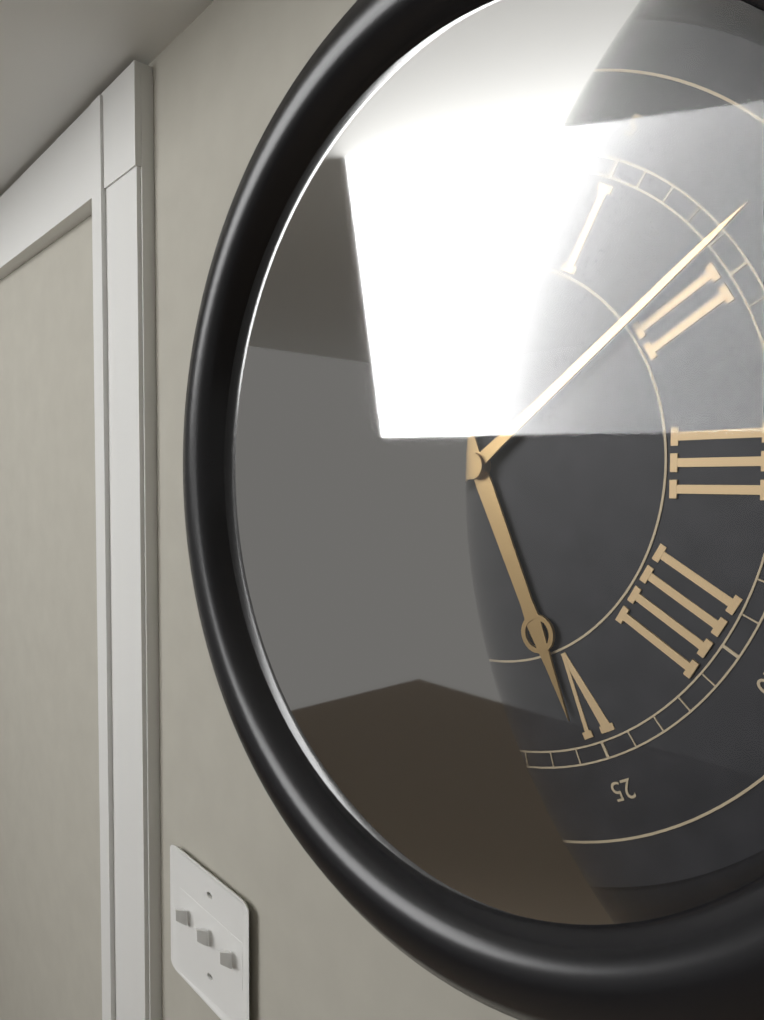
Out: 5,09
